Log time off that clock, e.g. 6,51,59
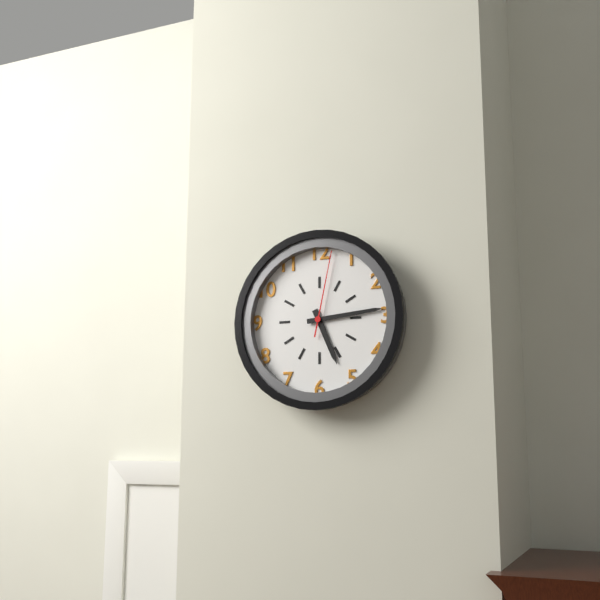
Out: 5,14,02
